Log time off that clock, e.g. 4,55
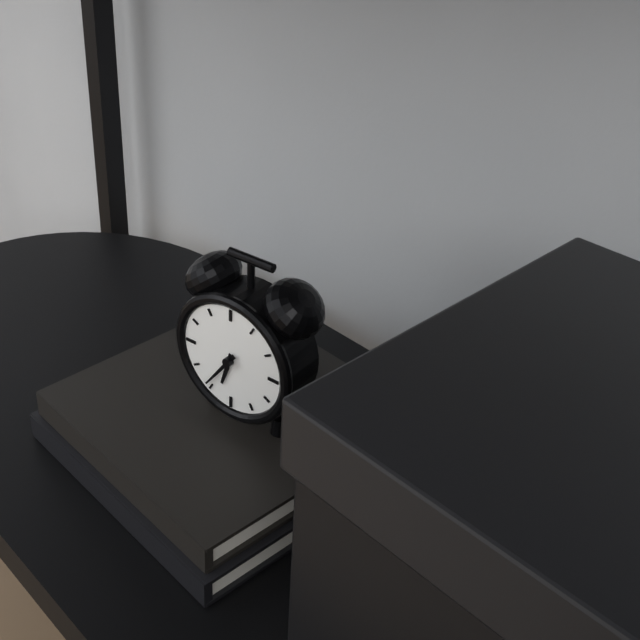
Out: 6,36
